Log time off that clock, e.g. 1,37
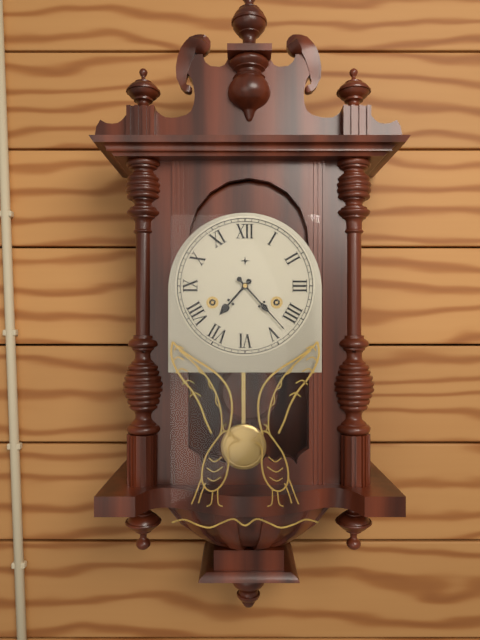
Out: 7,23
